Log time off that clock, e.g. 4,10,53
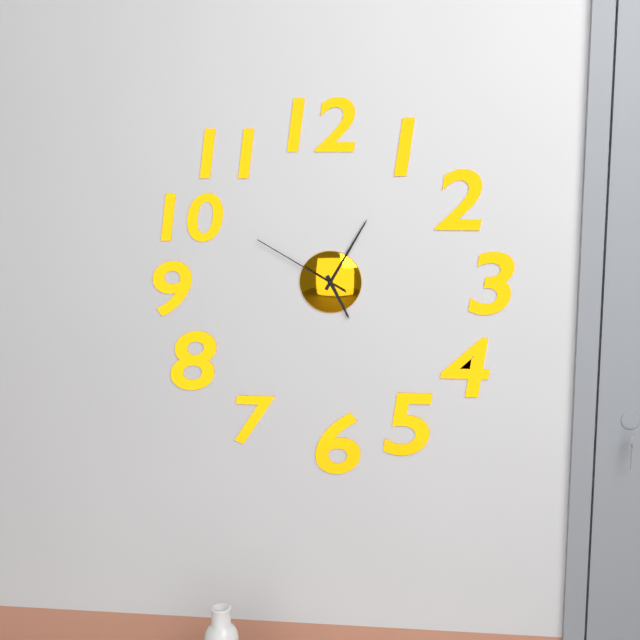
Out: 5,05,50
